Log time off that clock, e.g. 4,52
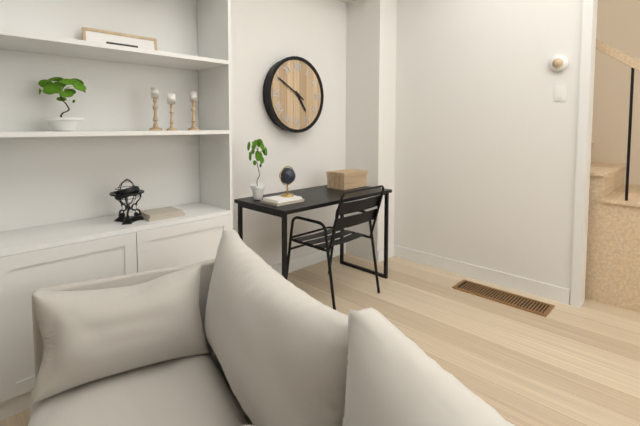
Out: 4,50
